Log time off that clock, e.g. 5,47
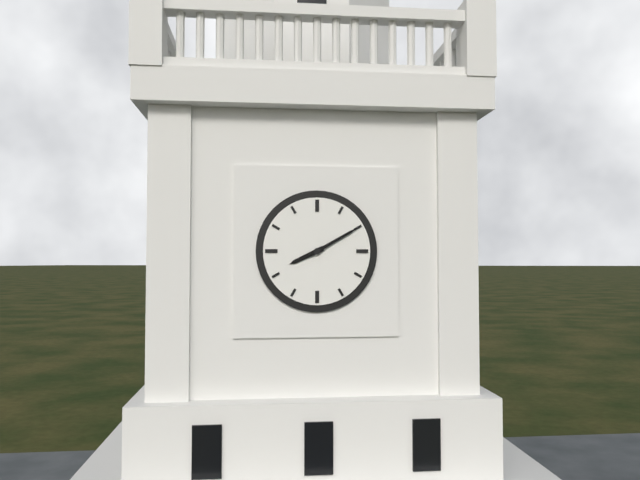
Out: 8,10
